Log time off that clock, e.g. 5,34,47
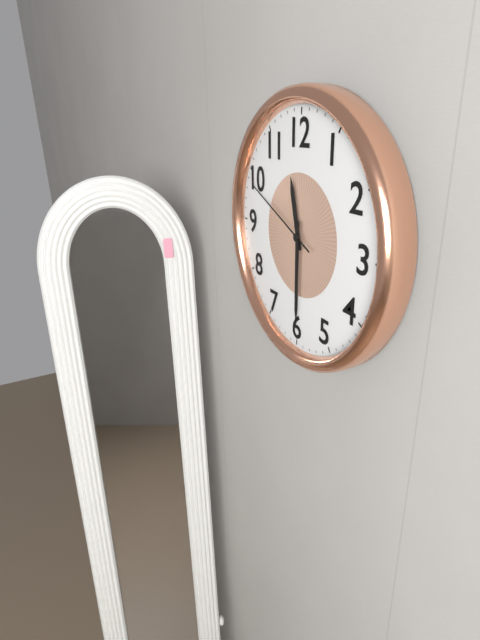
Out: 11,30,49
